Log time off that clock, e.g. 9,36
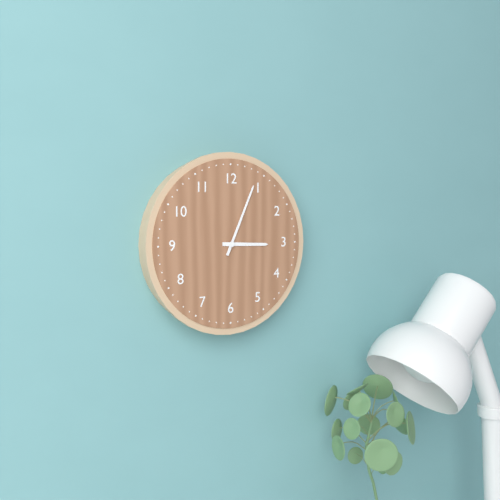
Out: 3,04
